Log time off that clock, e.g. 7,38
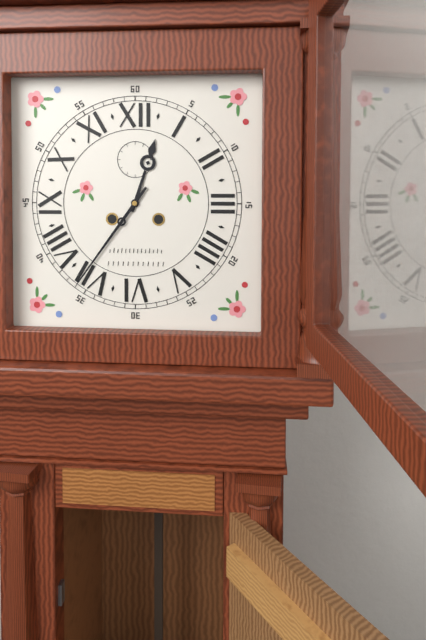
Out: 12,36
